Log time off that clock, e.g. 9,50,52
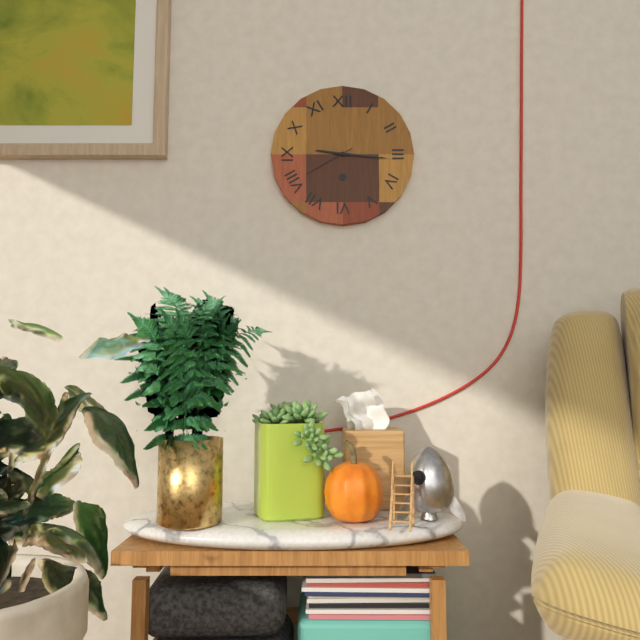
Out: 9,16,40
